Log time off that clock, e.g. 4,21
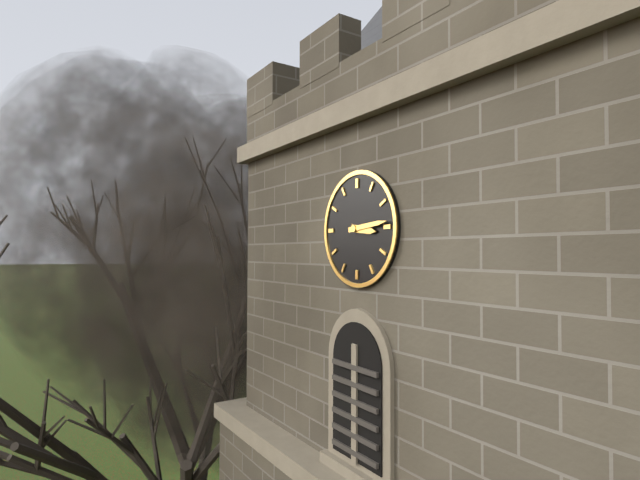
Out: 3,14
